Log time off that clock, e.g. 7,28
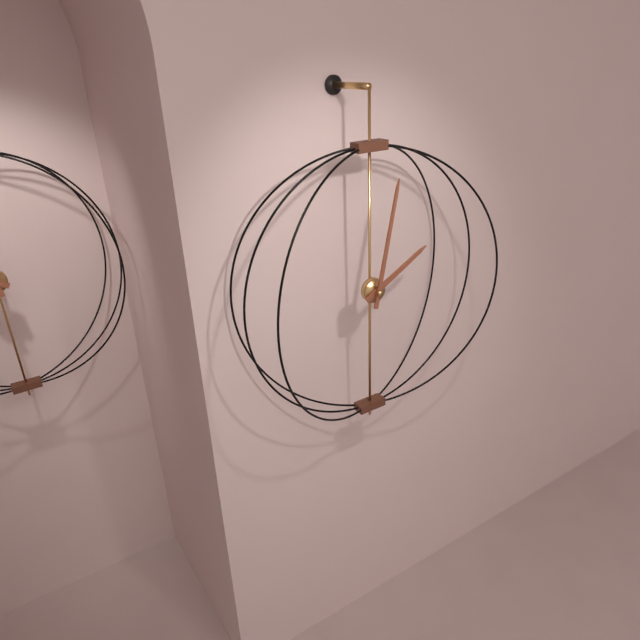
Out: 2,02
